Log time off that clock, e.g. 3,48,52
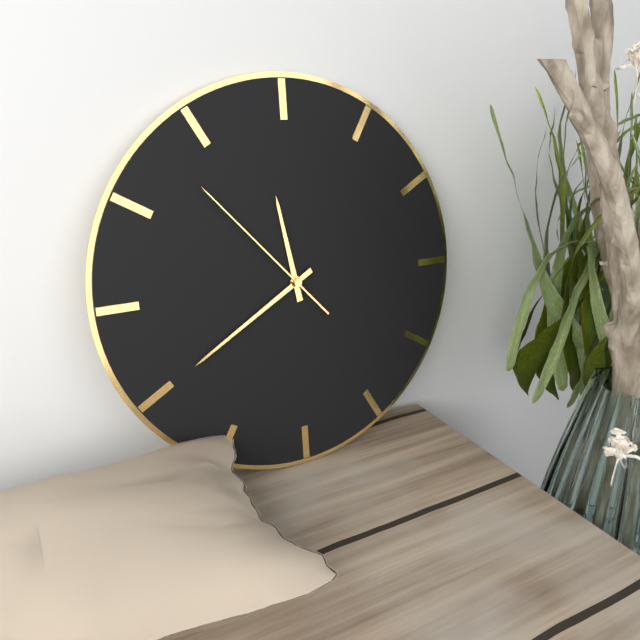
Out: 11,40,53
